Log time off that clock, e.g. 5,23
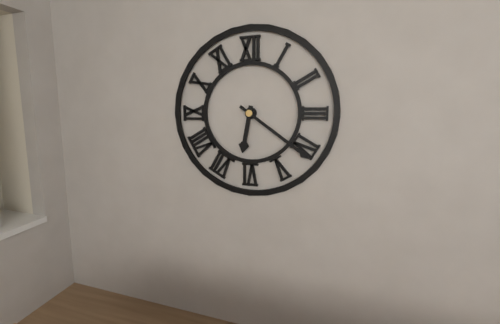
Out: 6,21
